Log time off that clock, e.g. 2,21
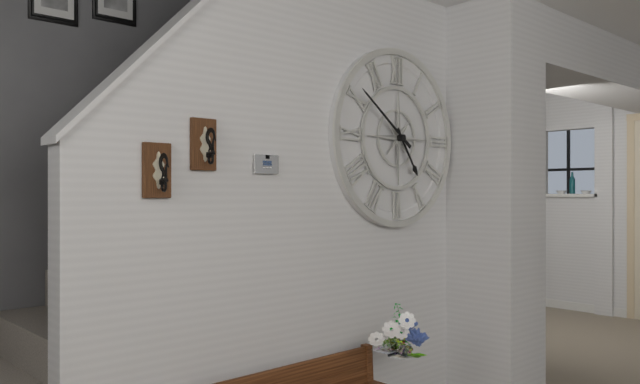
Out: 4,51
